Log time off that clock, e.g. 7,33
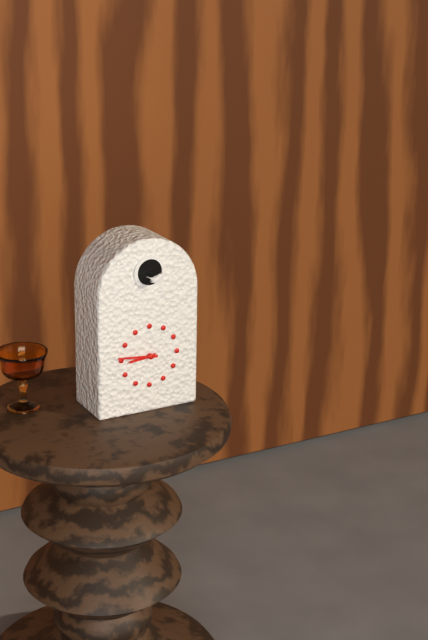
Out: 8,46
